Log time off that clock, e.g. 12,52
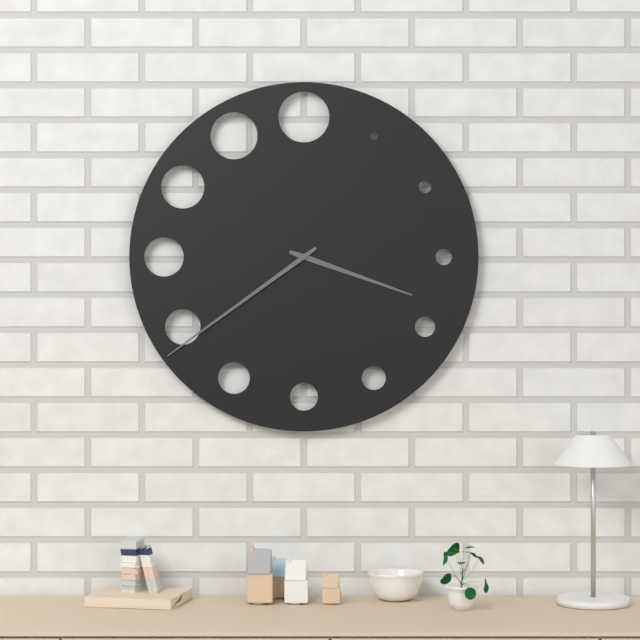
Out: 3,39
